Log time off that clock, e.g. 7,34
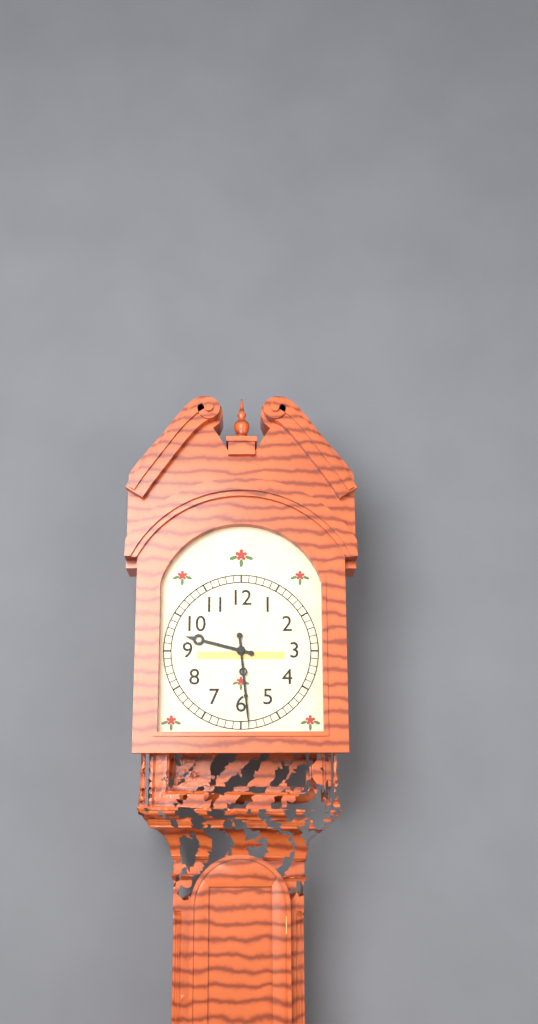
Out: 9,29
